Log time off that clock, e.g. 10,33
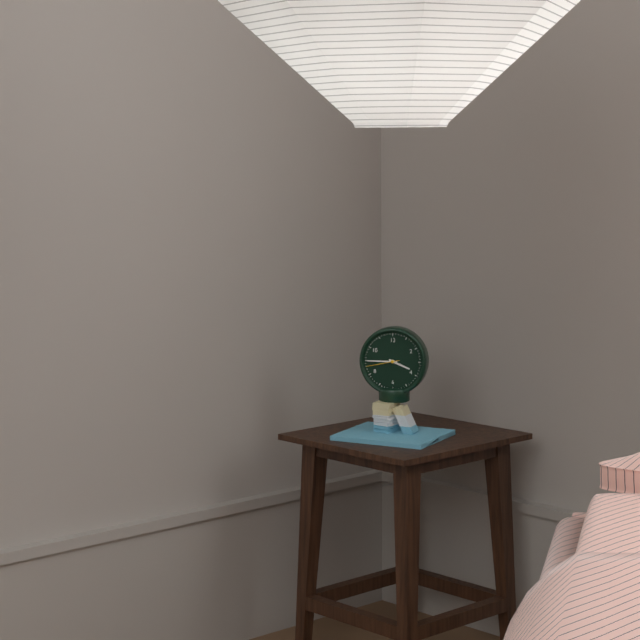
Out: 3,45
